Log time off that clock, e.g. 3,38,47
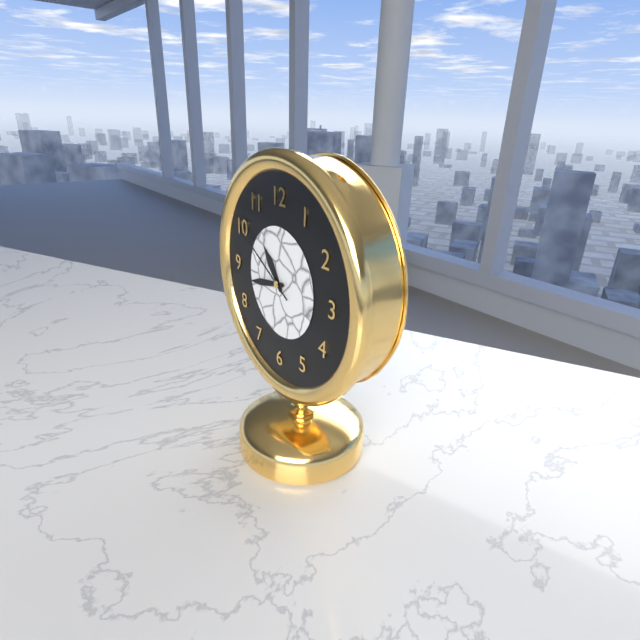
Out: 10,43,50
